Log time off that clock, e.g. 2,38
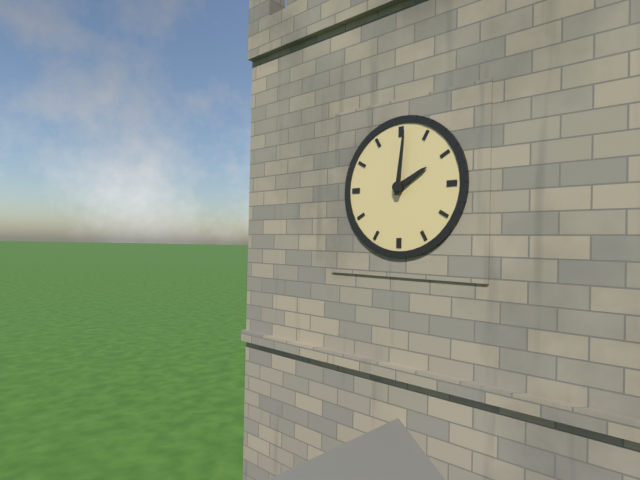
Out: 2,01
